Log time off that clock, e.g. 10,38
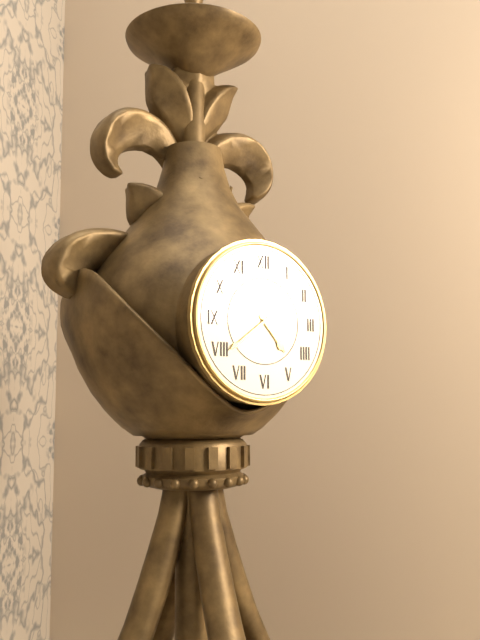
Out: 4,39
